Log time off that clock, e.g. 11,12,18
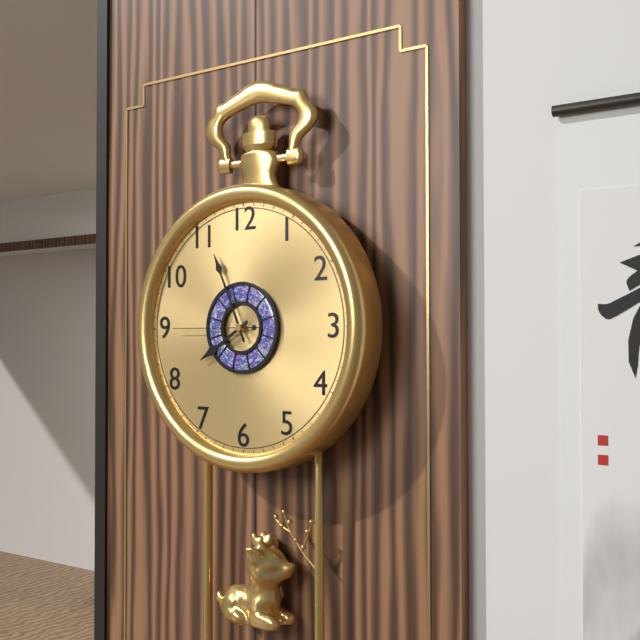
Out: 7,56,45
